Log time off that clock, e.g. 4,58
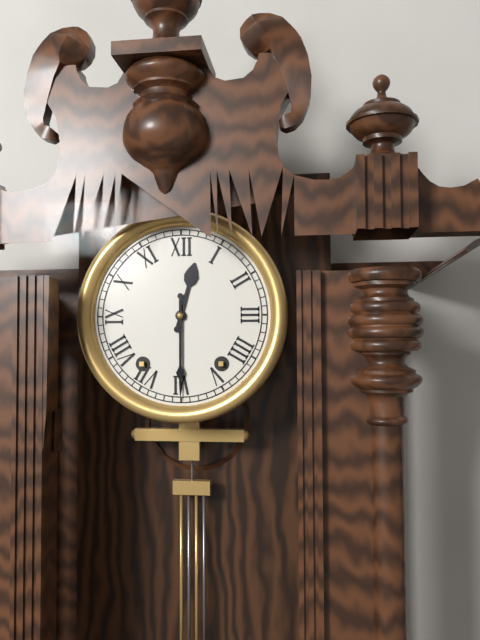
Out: 12,30
